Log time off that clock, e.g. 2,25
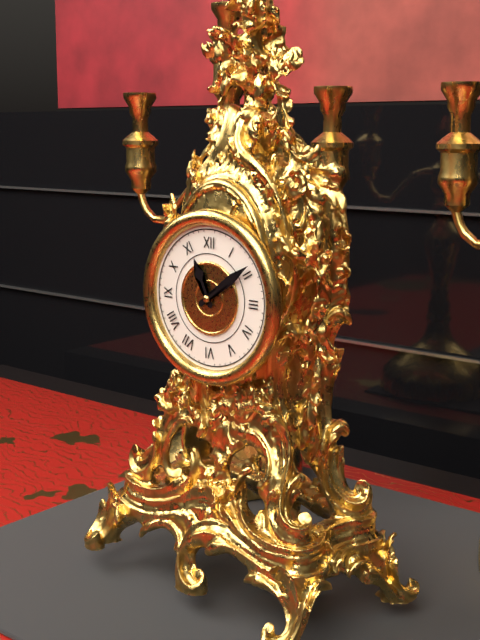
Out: 11,09
